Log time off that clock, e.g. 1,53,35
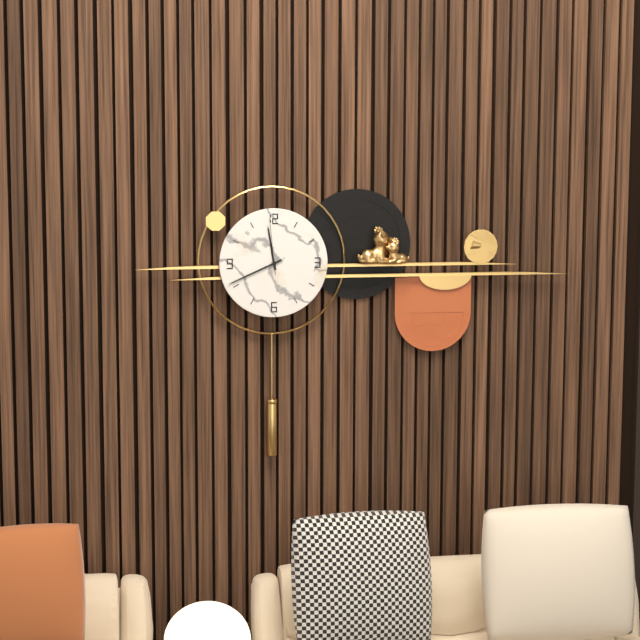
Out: 11,41,59
